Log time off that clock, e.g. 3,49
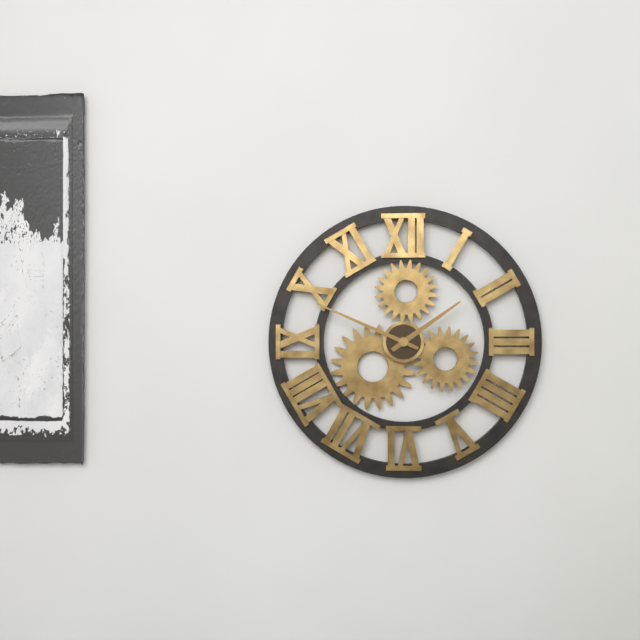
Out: 1,49
